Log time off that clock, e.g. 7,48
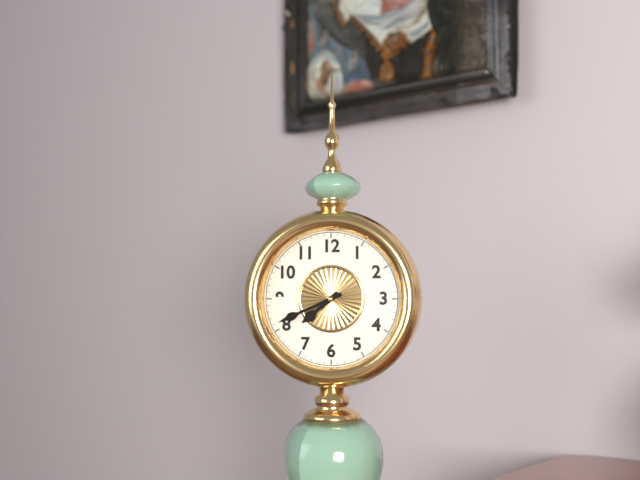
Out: 7,41
